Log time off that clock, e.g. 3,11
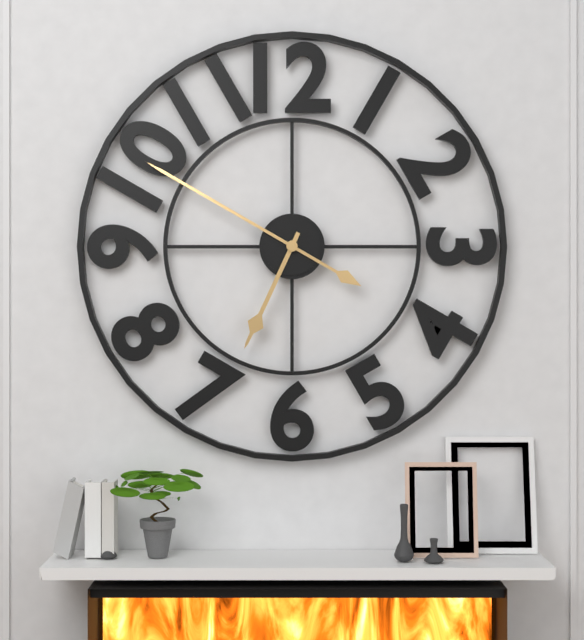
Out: 6,50
